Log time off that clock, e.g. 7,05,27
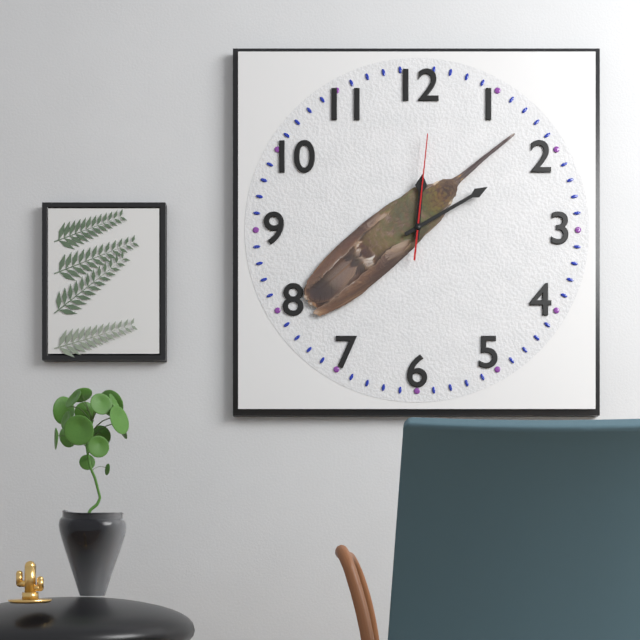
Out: 12,10,01
